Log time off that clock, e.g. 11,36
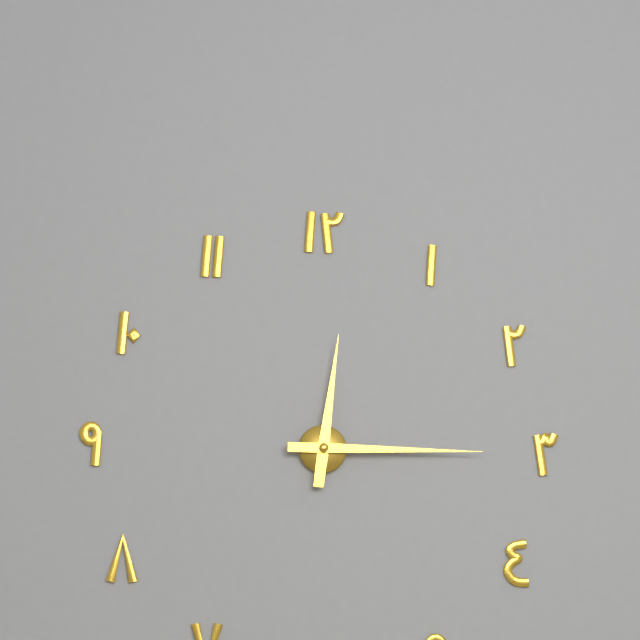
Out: 12,15
